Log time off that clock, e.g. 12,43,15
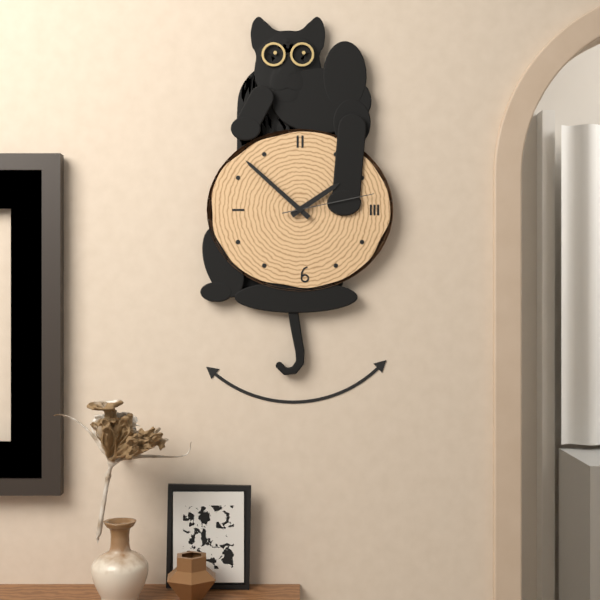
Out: 1,52,13
